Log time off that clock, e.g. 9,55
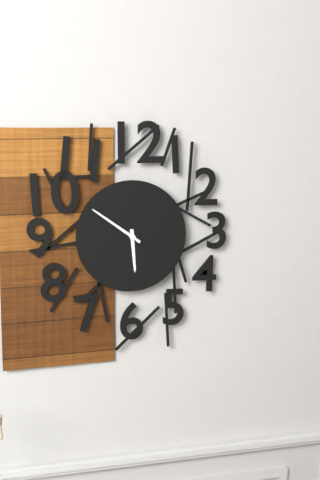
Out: 5,51
